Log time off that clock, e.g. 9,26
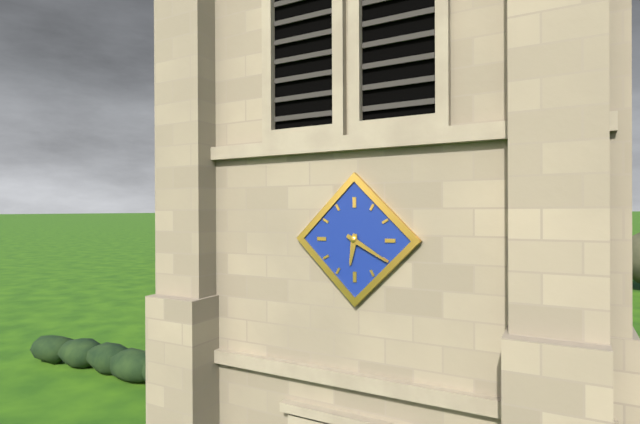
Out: 6,20
